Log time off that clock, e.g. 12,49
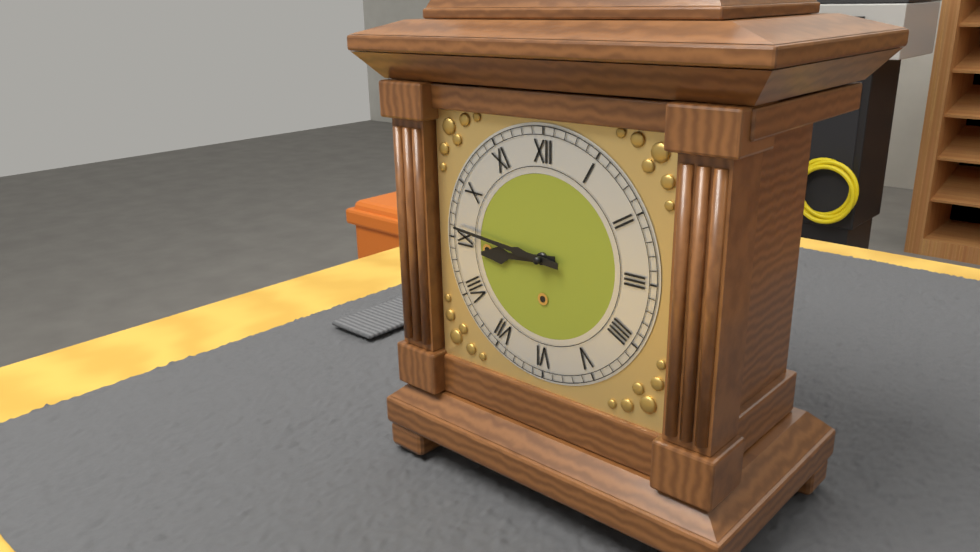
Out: 8,46
